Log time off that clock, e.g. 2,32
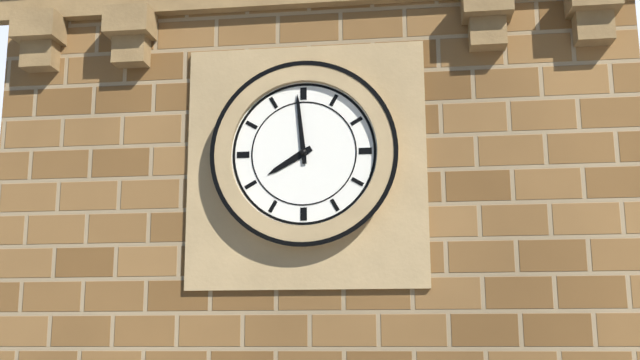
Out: 7,59
